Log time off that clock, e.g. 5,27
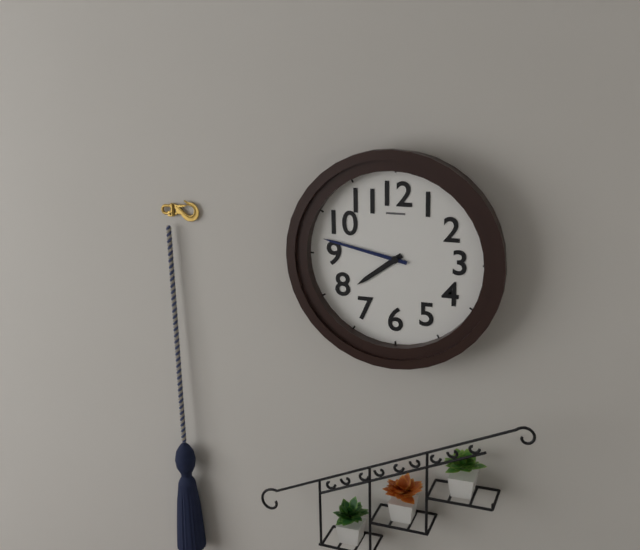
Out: 7,47
